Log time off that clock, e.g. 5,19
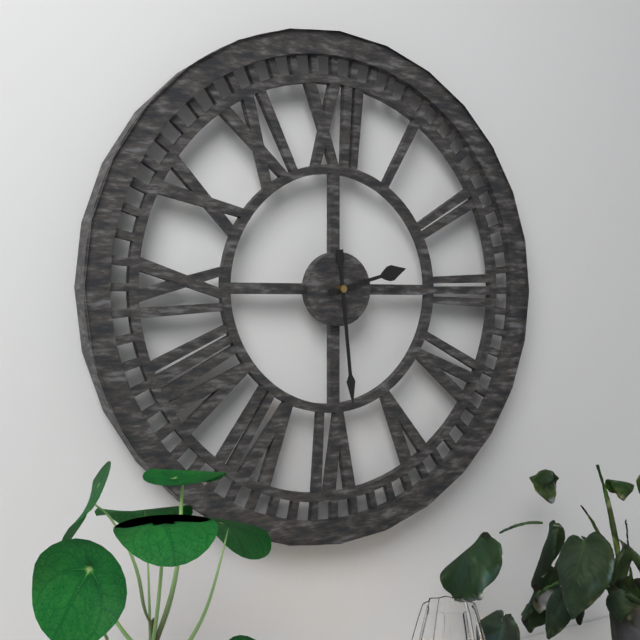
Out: 2,29
